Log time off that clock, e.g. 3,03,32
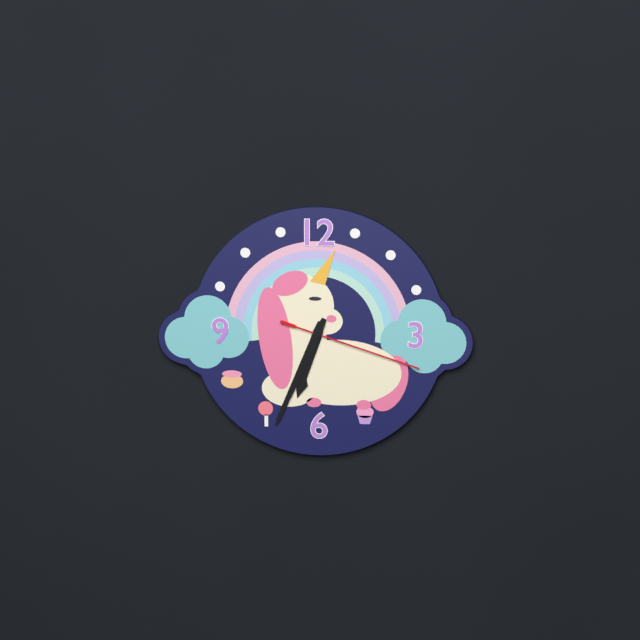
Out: 6,34,18
